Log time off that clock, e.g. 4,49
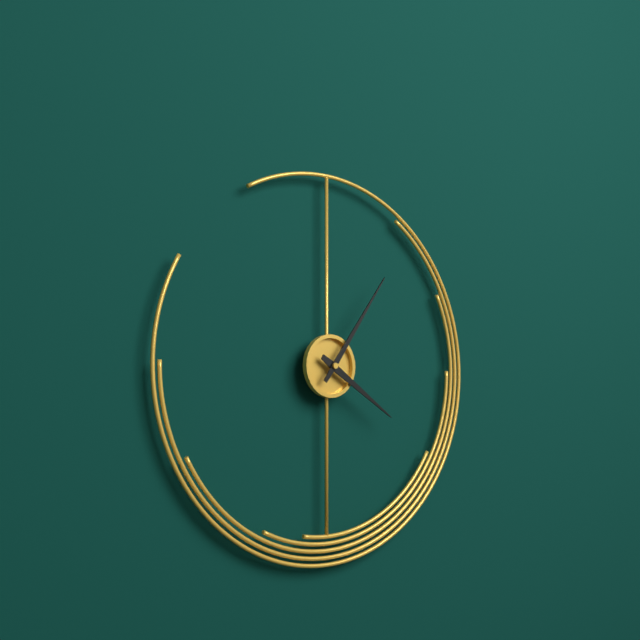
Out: 4,06
